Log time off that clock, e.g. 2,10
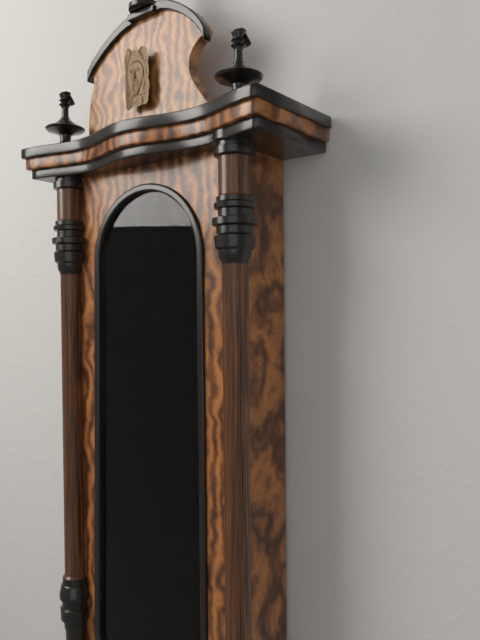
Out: 1,53
